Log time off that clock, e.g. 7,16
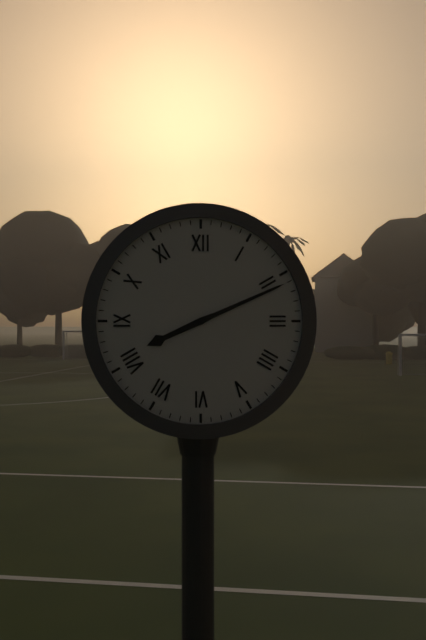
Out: 8,11
